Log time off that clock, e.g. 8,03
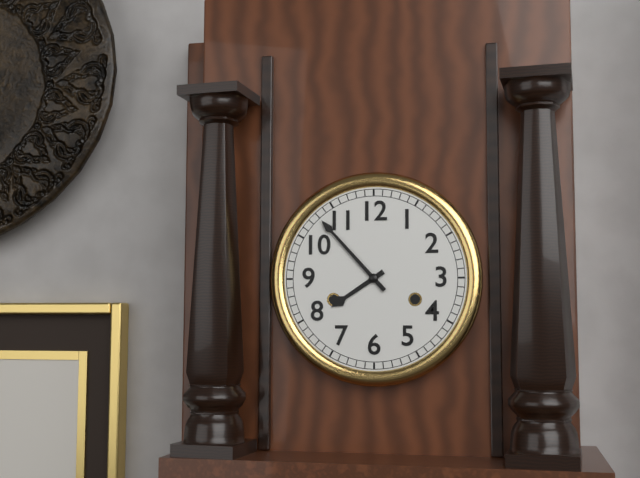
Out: 7,53
